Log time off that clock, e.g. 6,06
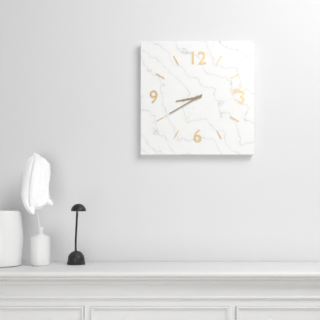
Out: 8,40
